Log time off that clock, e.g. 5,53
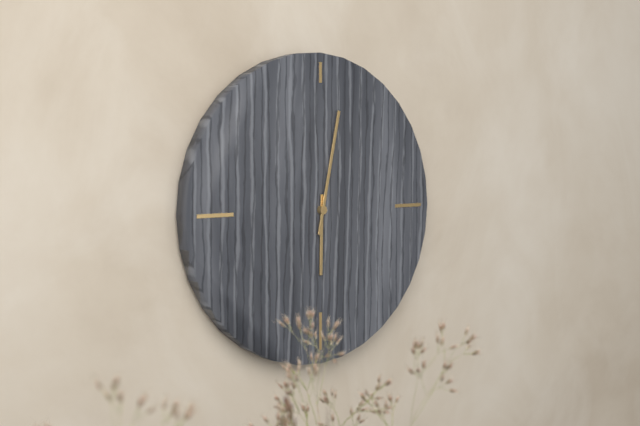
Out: 6,02
